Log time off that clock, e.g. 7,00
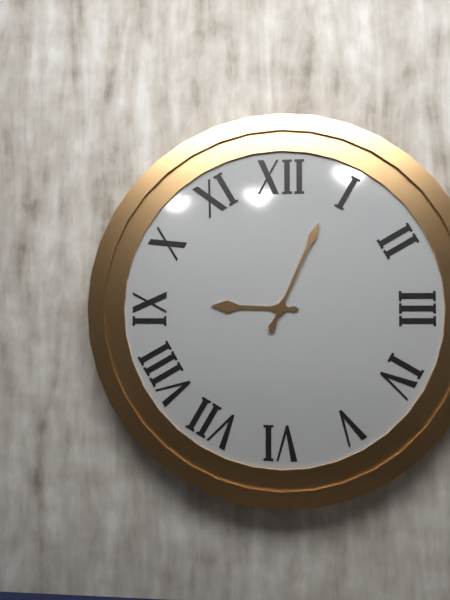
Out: 9,04
